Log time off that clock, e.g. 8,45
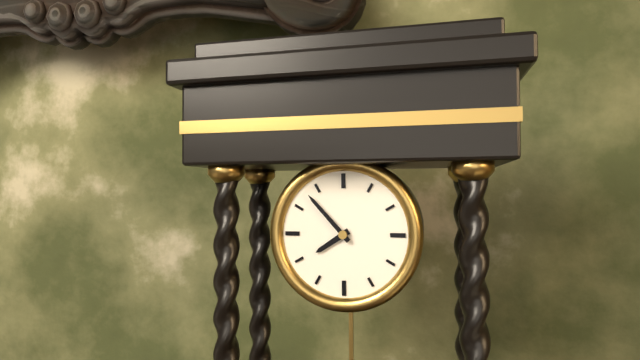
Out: 7,53
